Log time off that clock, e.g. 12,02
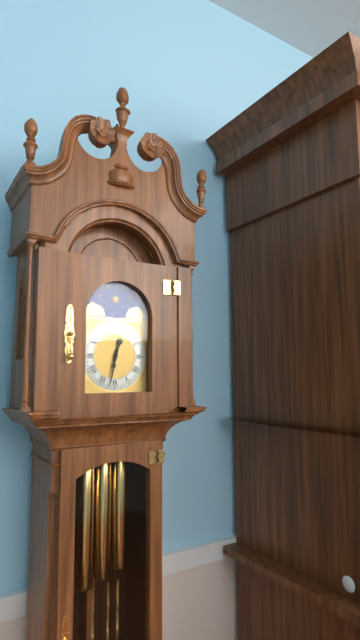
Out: 12,32
